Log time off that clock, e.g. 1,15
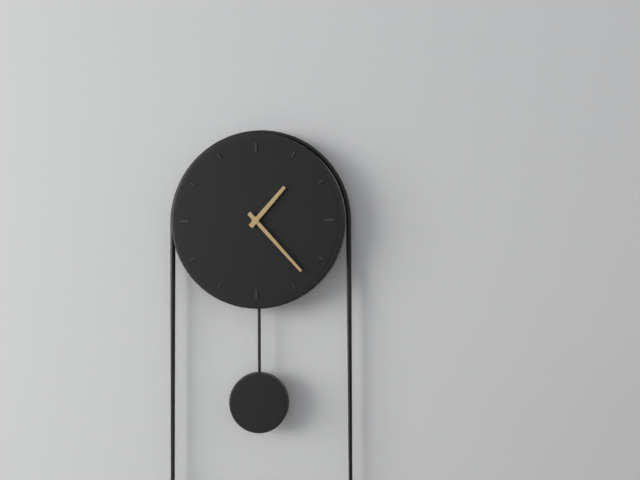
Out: 1,23
